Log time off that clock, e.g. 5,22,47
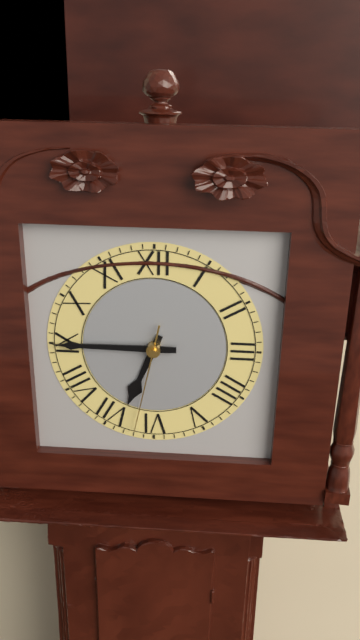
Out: 6,45,32
